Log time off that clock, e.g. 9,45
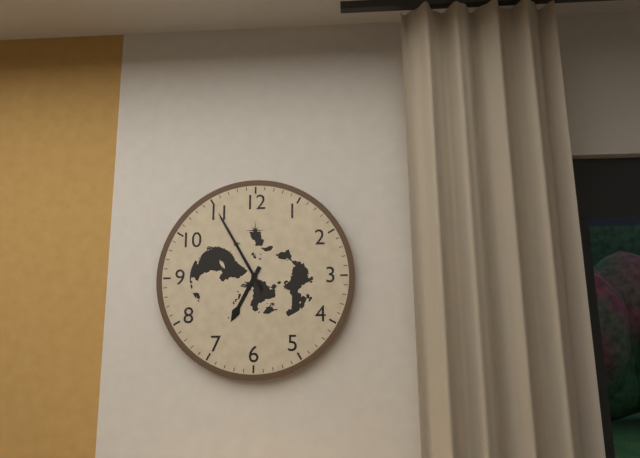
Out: 6,55
